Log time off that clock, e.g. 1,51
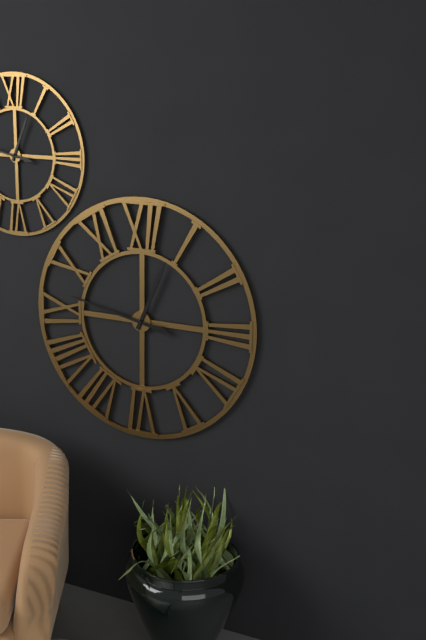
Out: 12,47
